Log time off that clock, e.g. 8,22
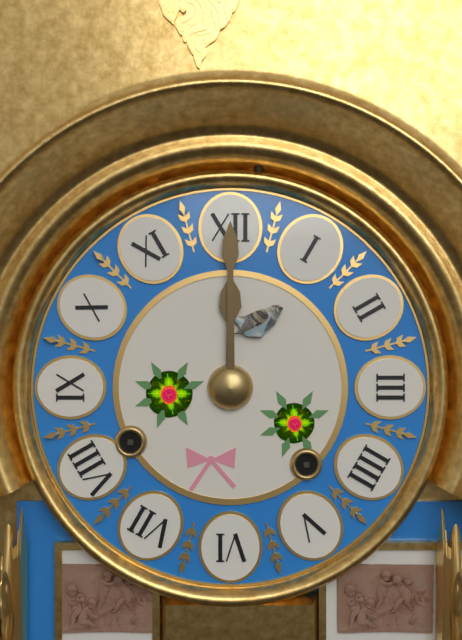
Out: 12,00
